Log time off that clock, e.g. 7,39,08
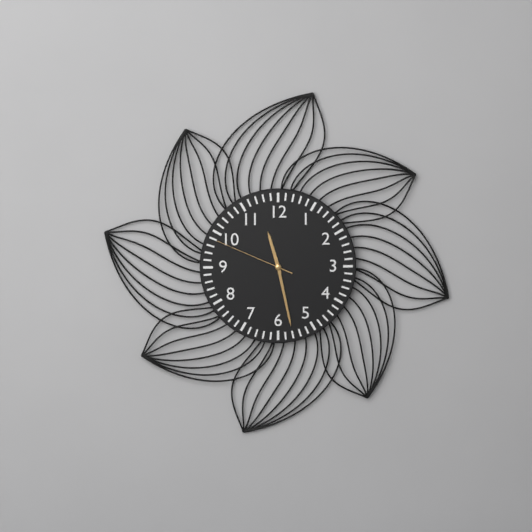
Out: 11,28,49
